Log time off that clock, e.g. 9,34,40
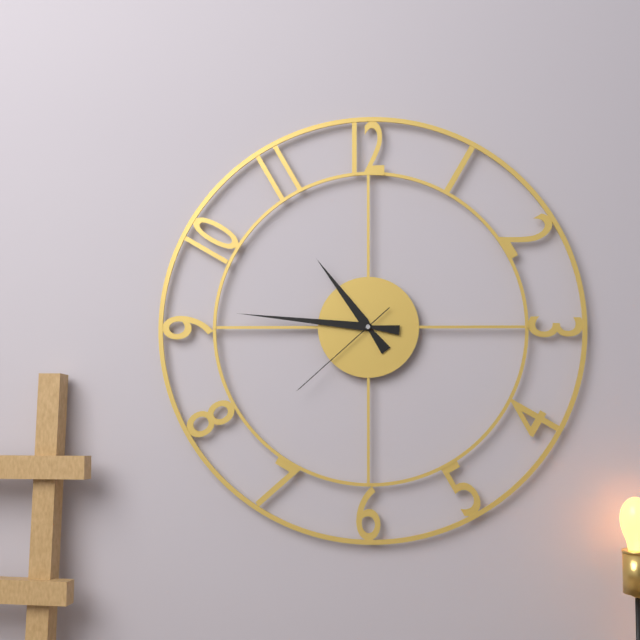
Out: 10,46,38
